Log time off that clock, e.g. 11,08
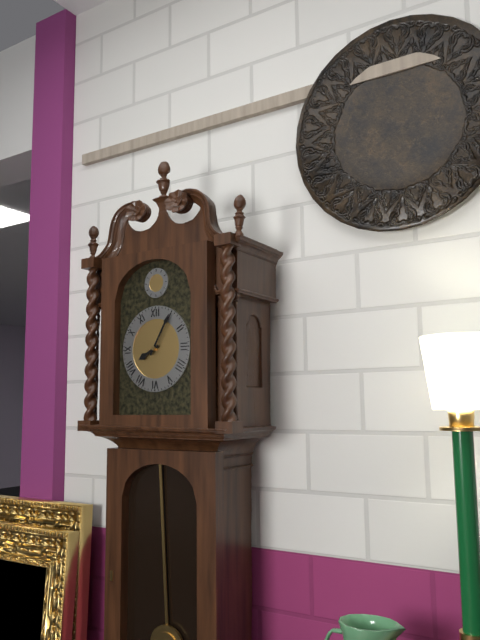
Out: 8,05
